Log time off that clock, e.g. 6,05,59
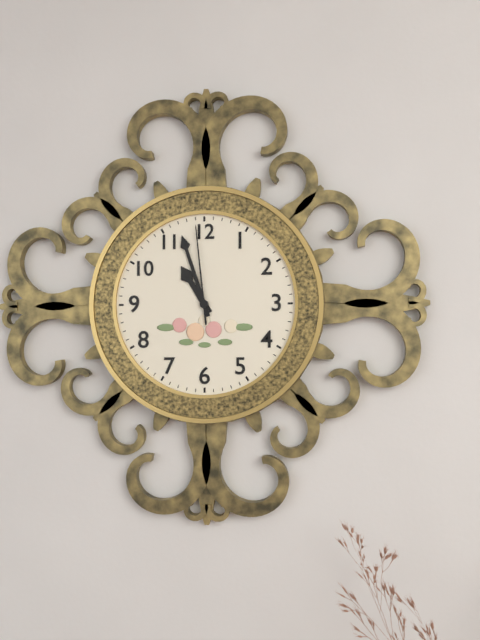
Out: 10,57,59
